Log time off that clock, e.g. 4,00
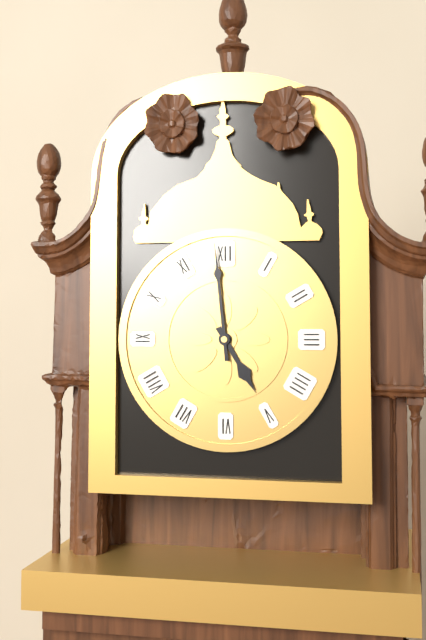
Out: 4,59
